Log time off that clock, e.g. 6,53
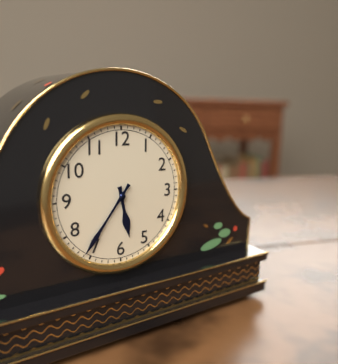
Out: 5,36
